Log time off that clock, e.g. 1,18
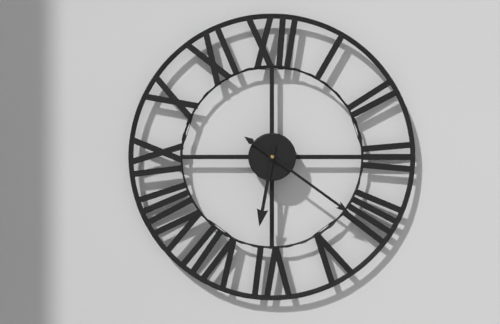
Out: 6,21
